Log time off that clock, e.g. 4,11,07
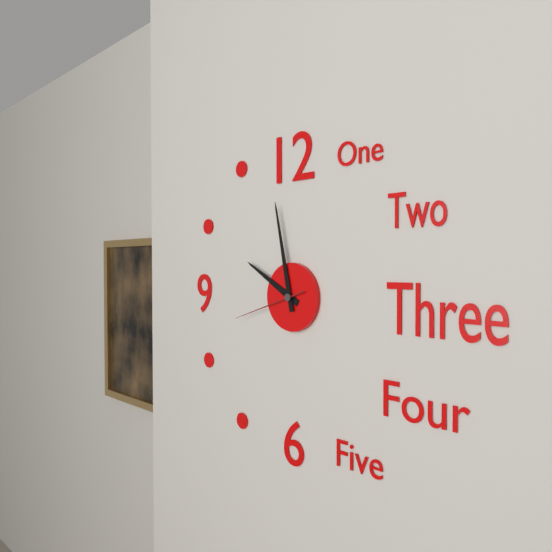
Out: 9,58,42
